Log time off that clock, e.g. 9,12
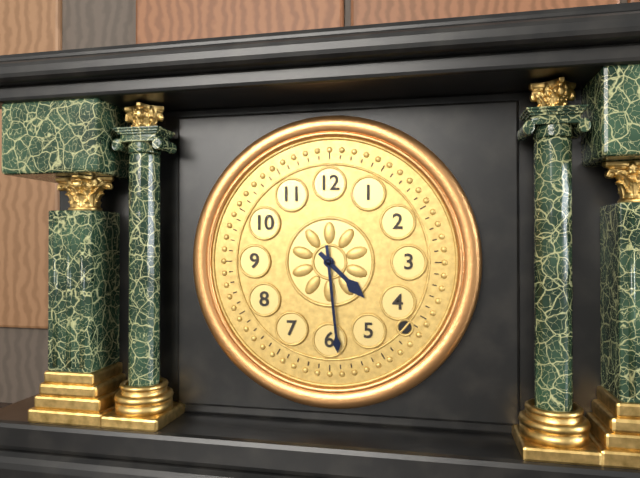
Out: 4,29
